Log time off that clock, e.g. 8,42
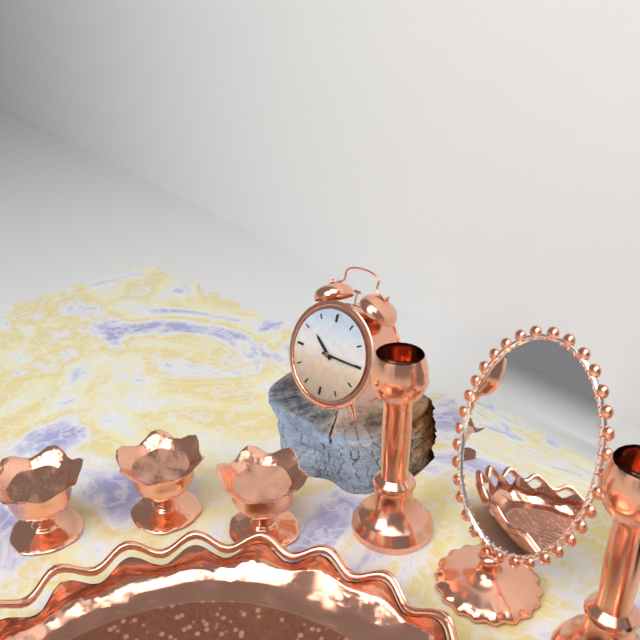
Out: 10,15
